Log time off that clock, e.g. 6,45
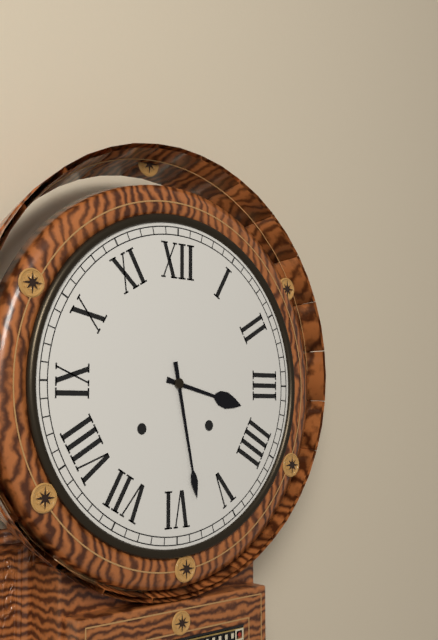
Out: 3,28
